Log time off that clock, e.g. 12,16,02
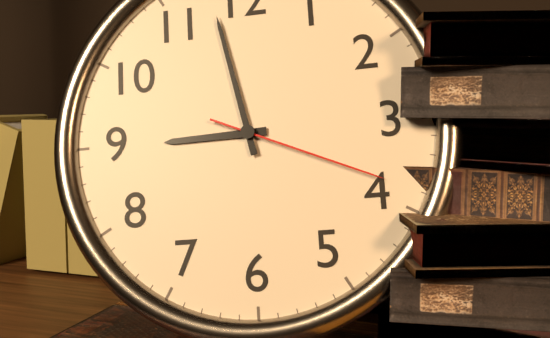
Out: 8,58,19
